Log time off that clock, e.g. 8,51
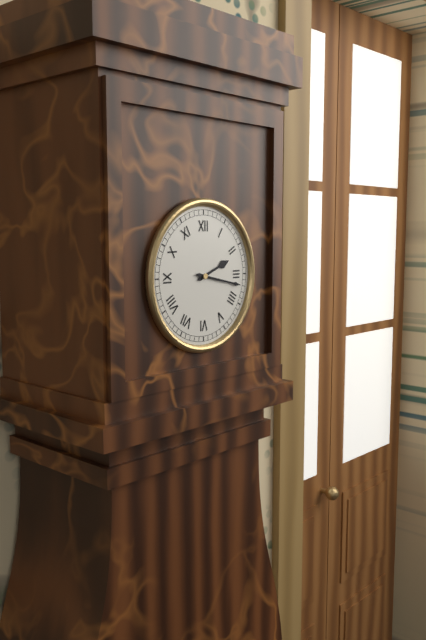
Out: 2,17
